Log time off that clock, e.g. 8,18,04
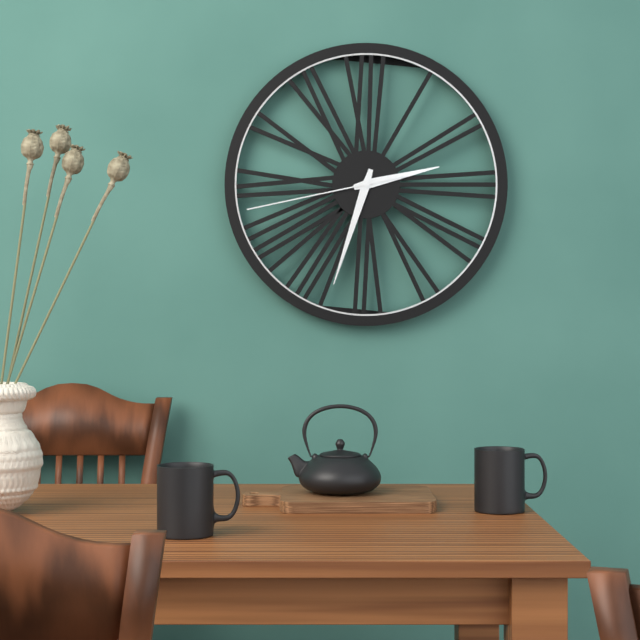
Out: 2,33,43
